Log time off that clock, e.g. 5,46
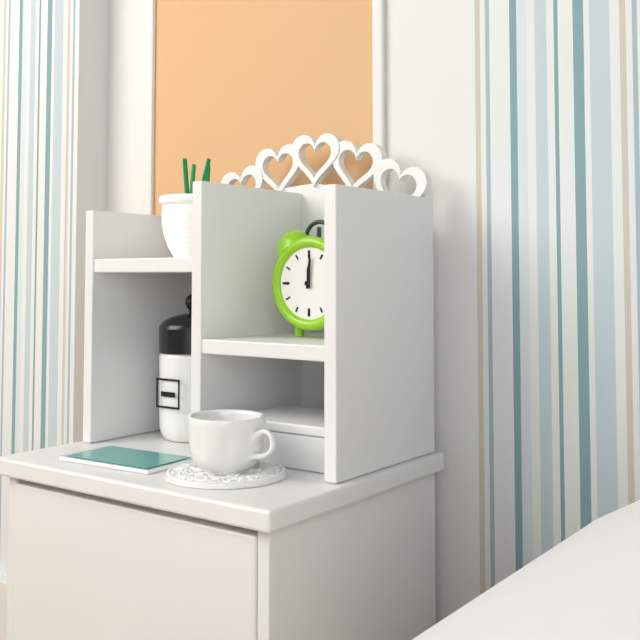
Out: 12,01
